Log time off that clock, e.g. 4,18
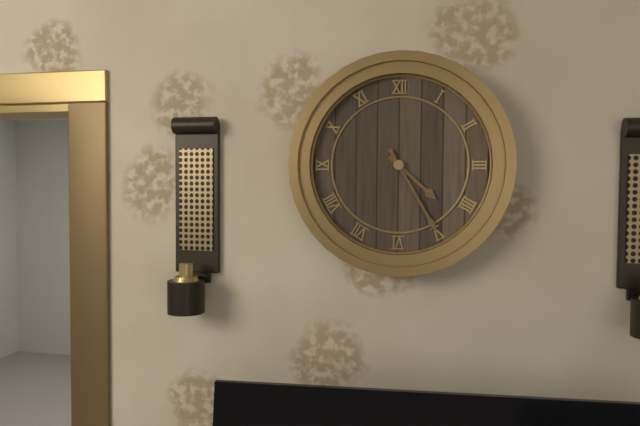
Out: 4,25
